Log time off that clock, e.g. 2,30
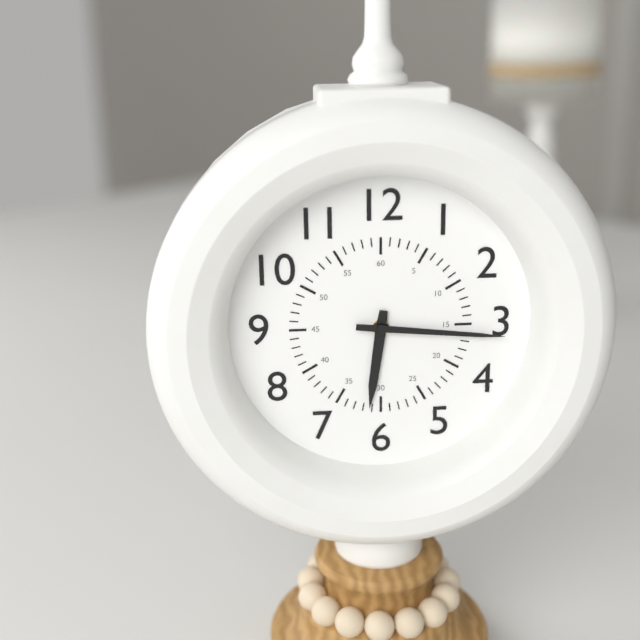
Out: 6,16
